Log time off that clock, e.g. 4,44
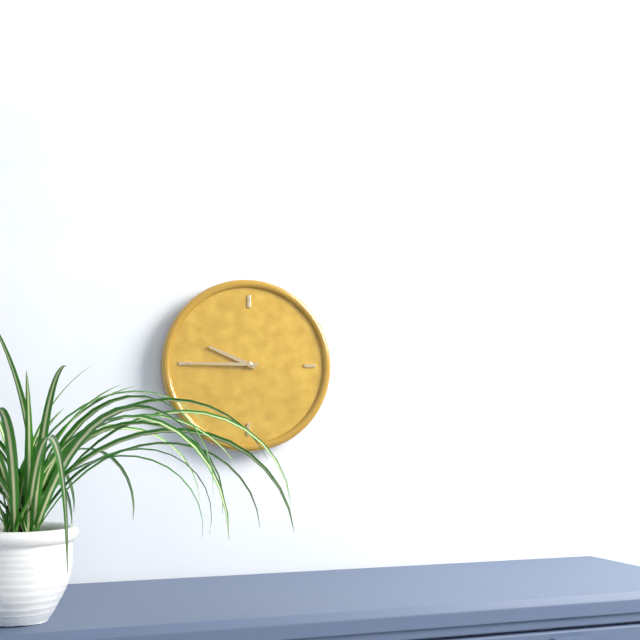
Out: 9,45
